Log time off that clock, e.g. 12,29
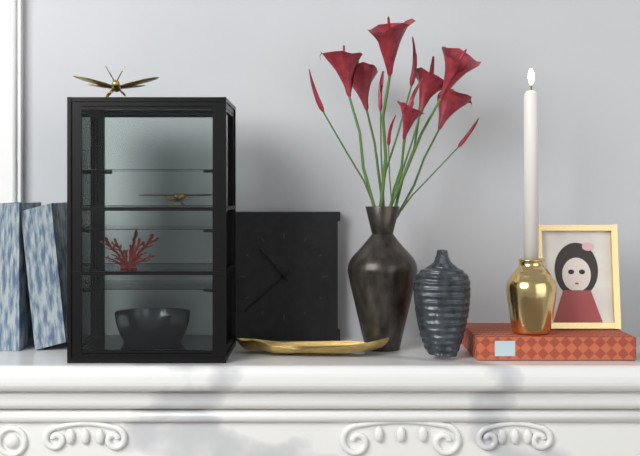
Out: 10,38
